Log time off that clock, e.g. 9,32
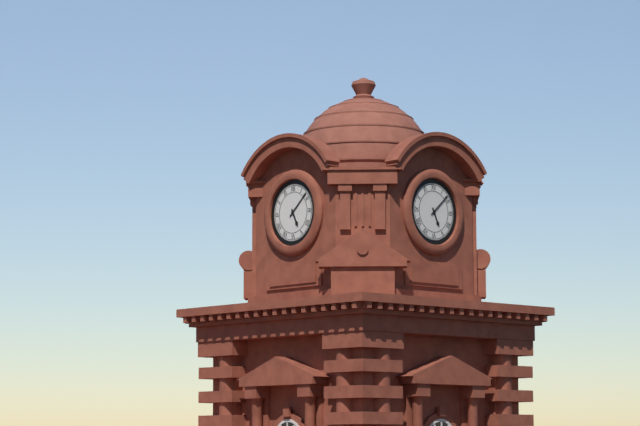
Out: 5,08
